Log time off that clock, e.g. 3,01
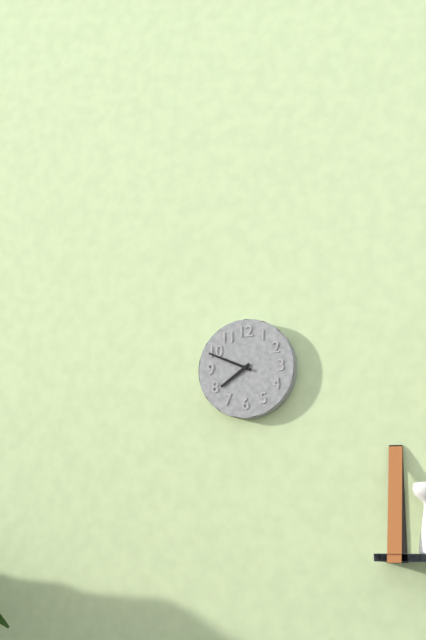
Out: 7,49
